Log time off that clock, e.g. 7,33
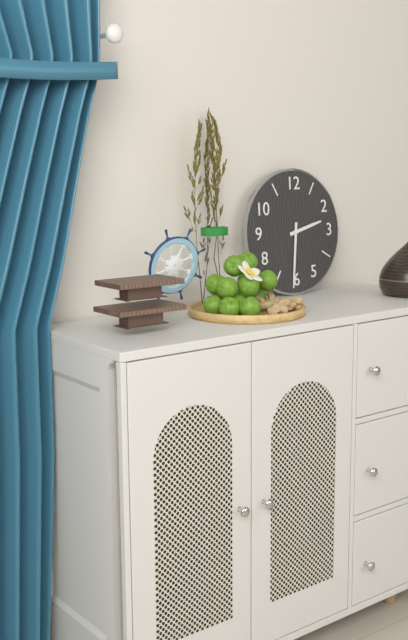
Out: 2,31
